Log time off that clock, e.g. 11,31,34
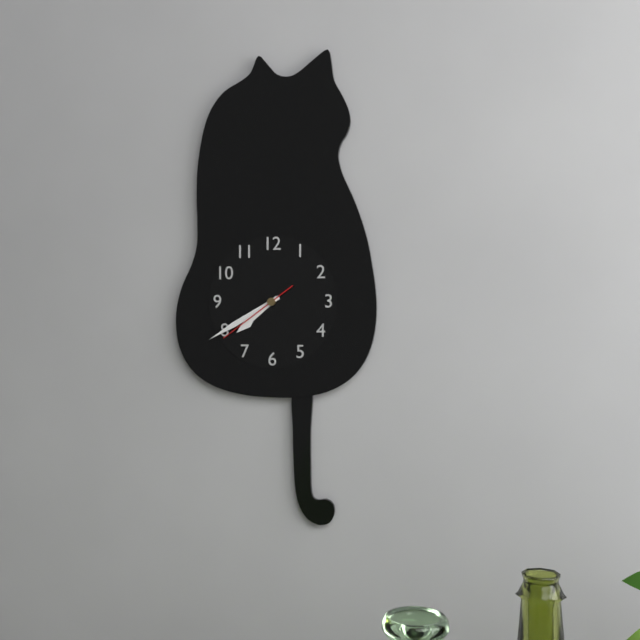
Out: 7,40,39
